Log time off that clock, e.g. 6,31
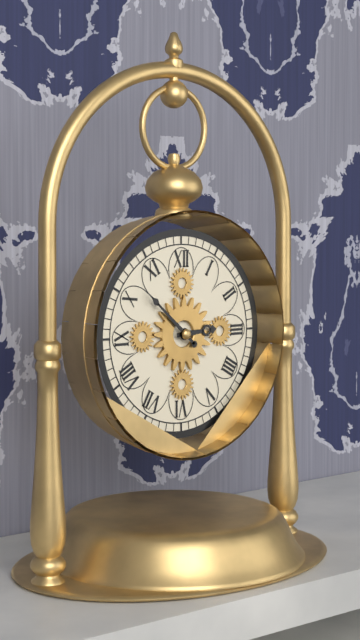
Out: 2,52
